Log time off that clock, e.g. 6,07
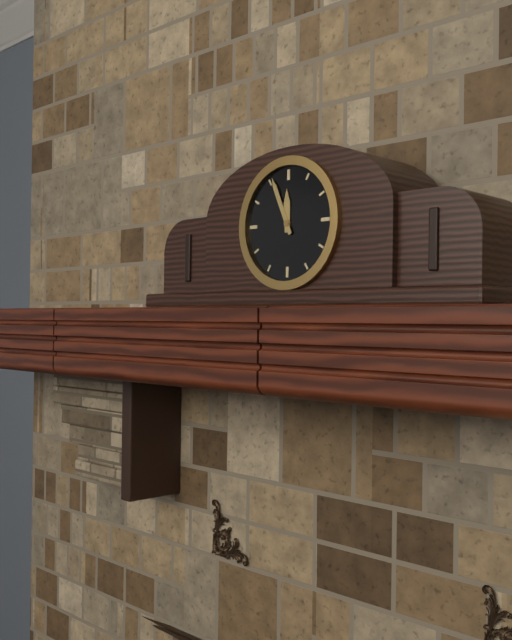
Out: 11,56
